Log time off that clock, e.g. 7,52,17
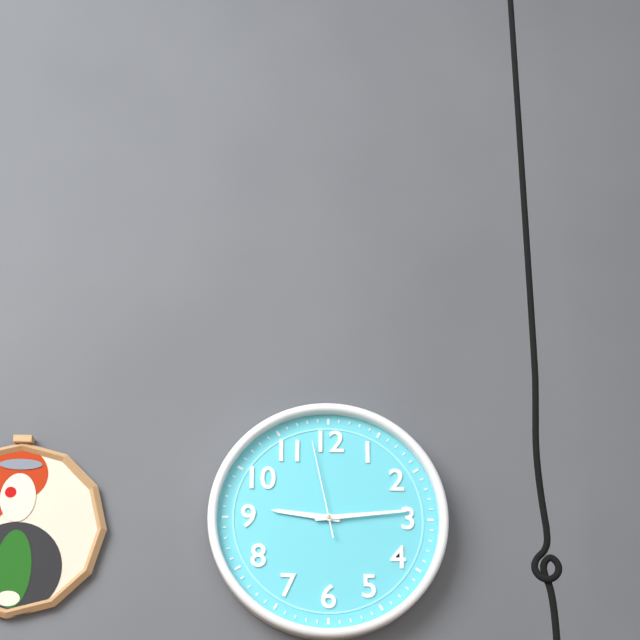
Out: 9,14,58
